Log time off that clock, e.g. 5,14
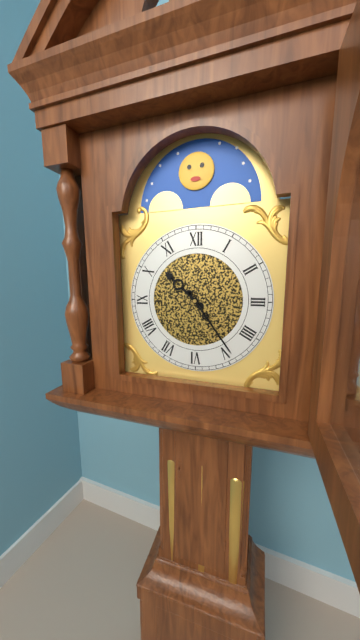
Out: 10,24
